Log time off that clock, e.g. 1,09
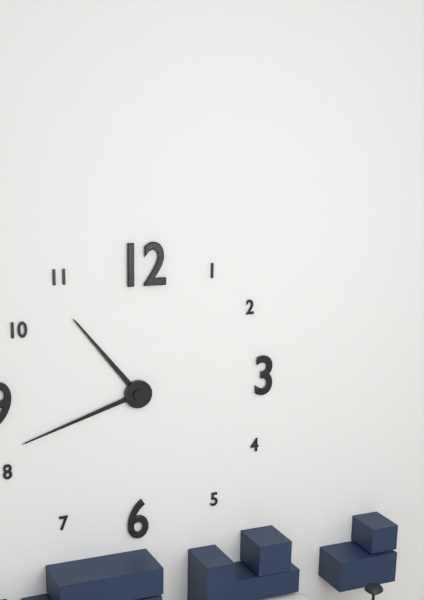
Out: 10,42
